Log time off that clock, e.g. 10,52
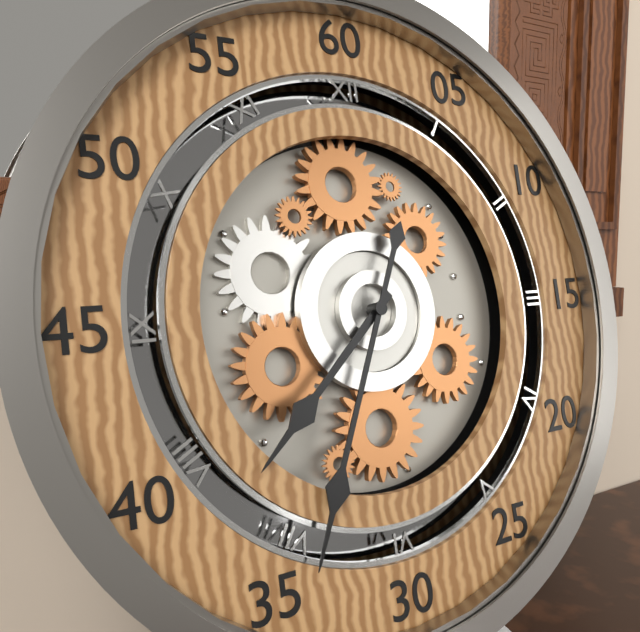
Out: 7,34
